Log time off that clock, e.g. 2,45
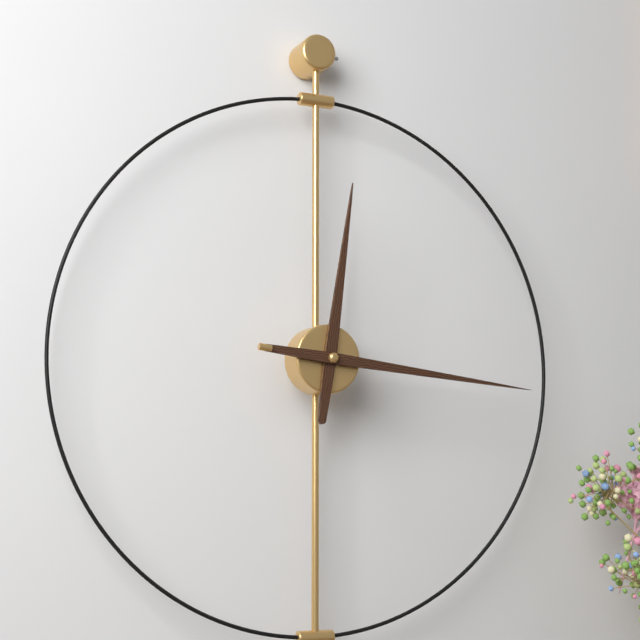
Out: 12,16
